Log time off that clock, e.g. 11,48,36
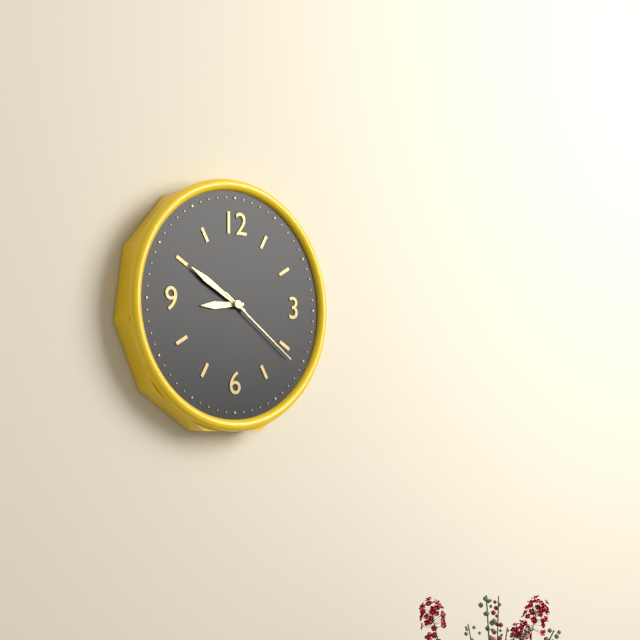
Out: 8,50,21
